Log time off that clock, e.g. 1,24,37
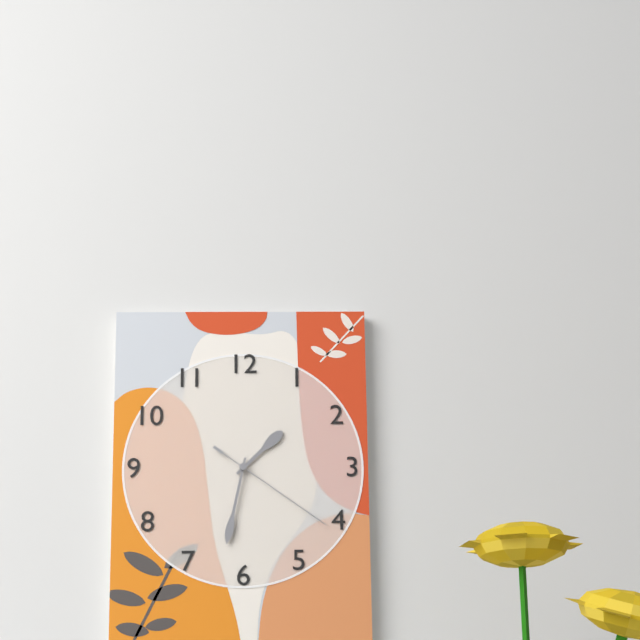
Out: 1,32,21
